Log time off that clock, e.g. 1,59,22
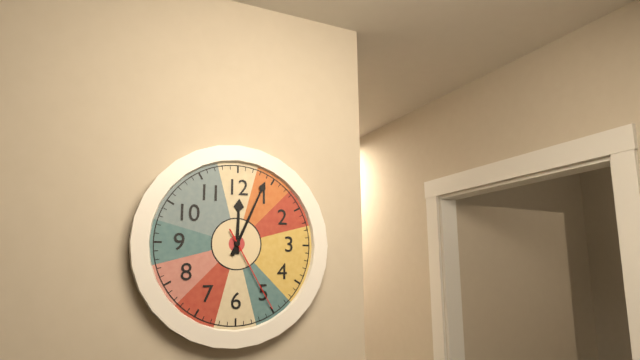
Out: 12,04,25
